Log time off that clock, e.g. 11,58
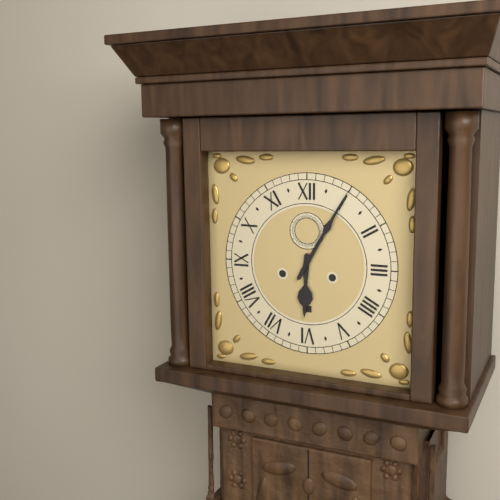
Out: 6,05
